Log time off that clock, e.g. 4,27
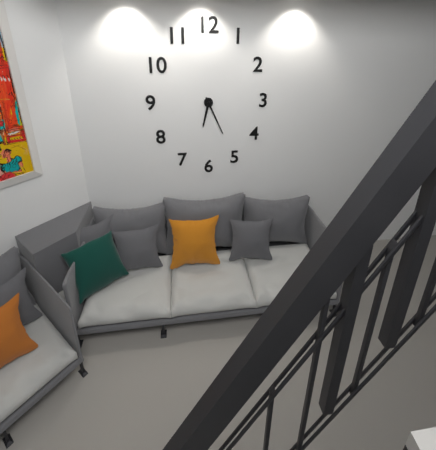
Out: 6,26
